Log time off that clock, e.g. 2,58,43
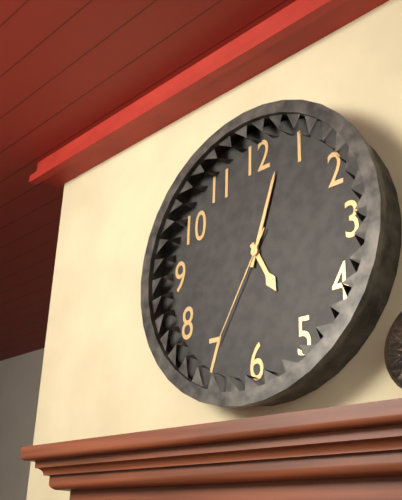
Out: 5,03,35
